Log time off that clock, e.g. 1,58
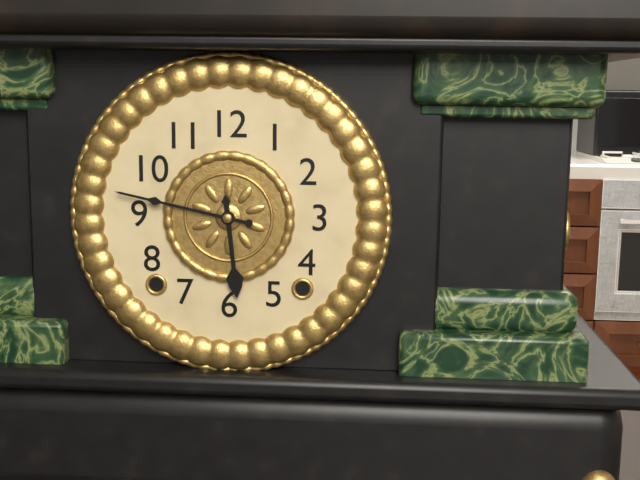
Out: 5,47
